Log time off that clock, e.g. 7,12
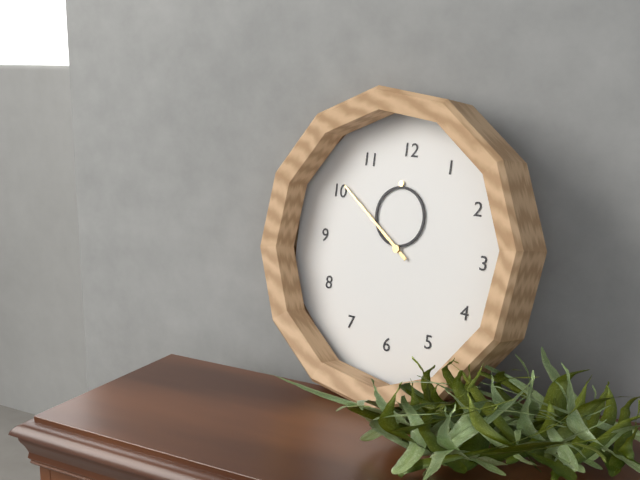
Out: 11,51
